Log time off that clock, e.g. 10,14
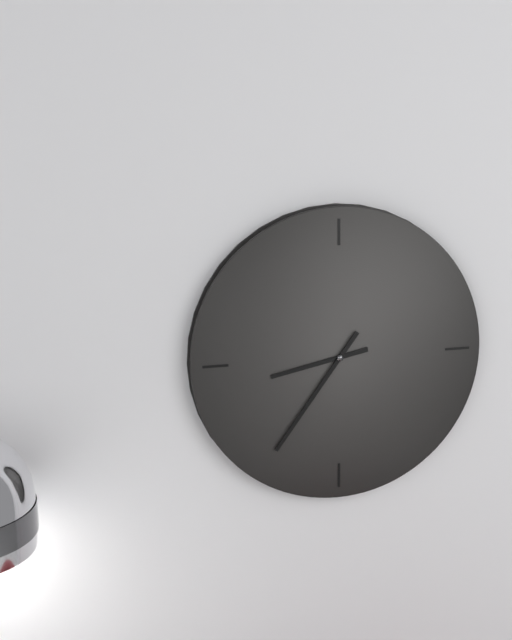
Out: 8,36
